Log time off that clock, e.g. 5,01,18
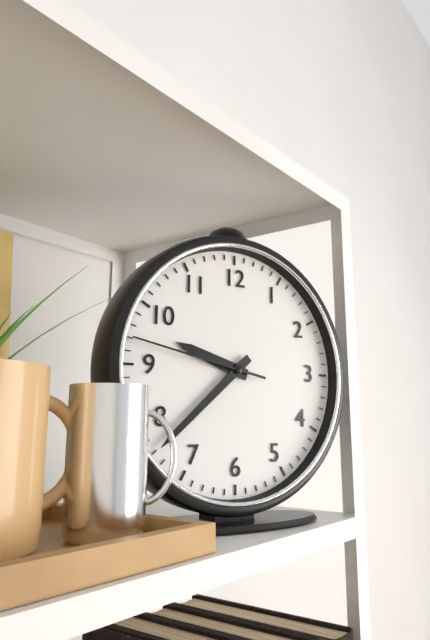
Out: 9,38,47
